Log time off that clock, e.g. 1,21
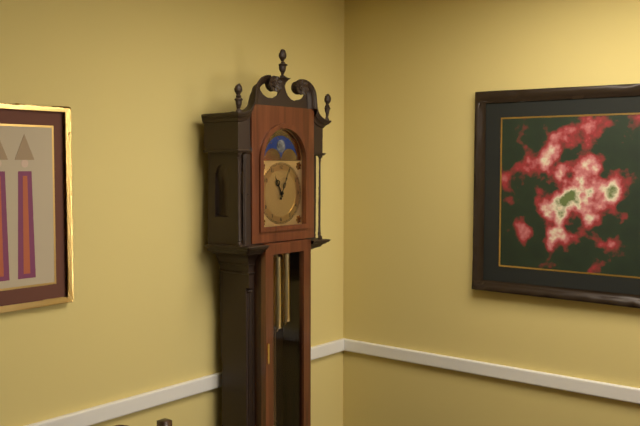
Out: 11,04
